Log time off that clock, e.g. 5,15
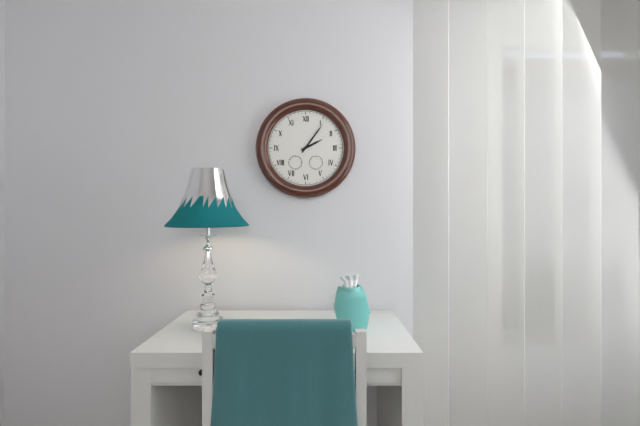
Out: 2,06
